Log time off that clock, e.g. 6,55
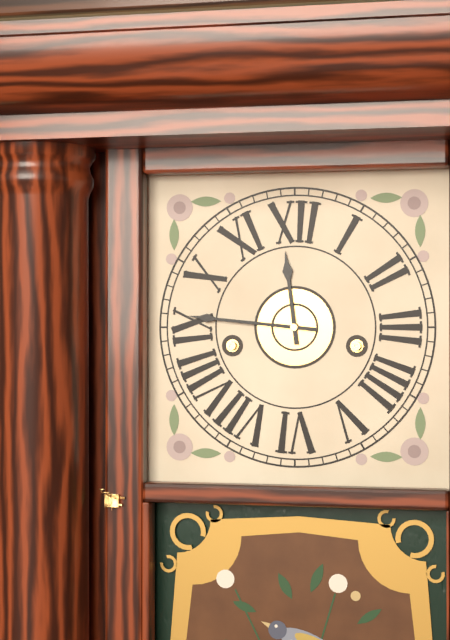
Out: 11,46
